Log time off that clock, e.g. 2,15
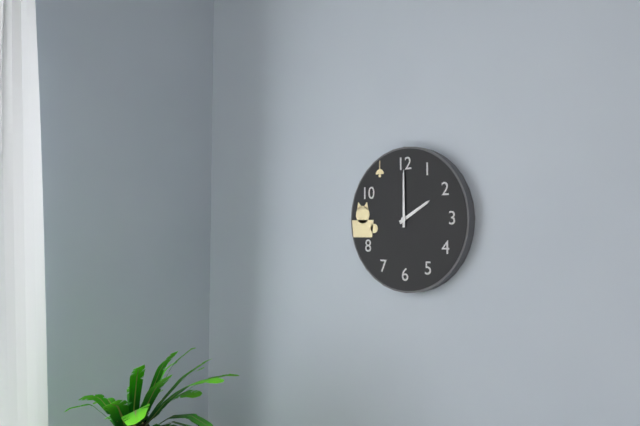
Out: 2,00
